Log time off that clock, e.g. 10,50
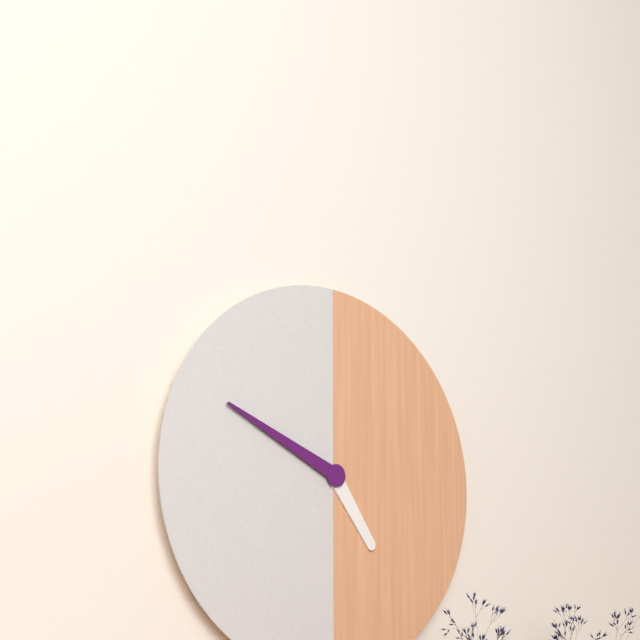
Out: 4,49
